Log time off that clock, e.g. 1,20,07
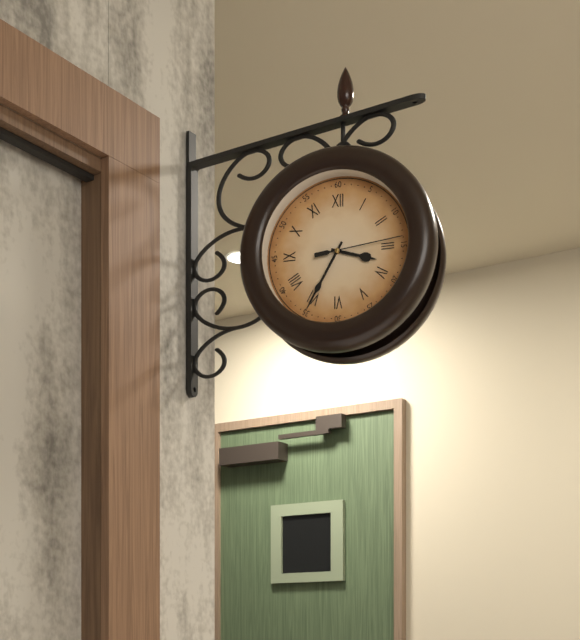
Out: 3,35,14
